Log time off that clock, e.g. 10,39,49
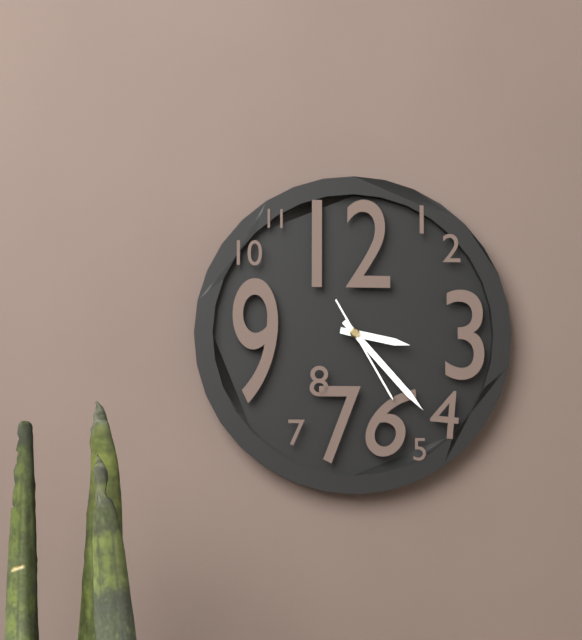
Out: 3,23,25
